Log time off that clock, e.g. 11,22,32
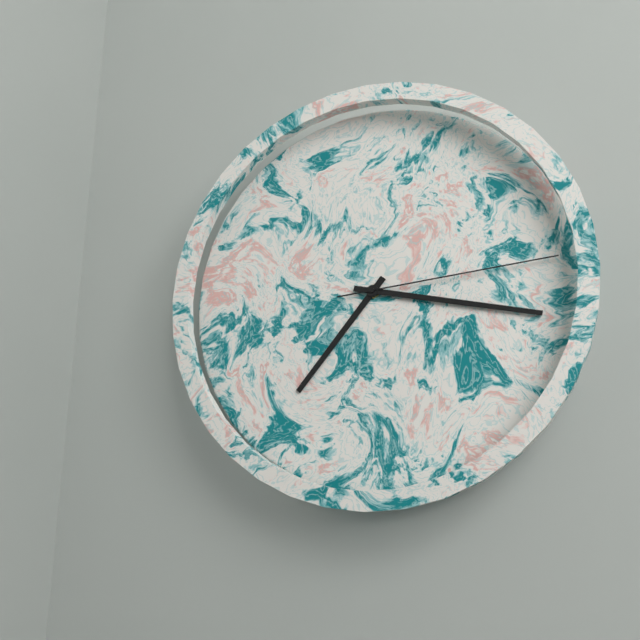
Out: 7,17,14
